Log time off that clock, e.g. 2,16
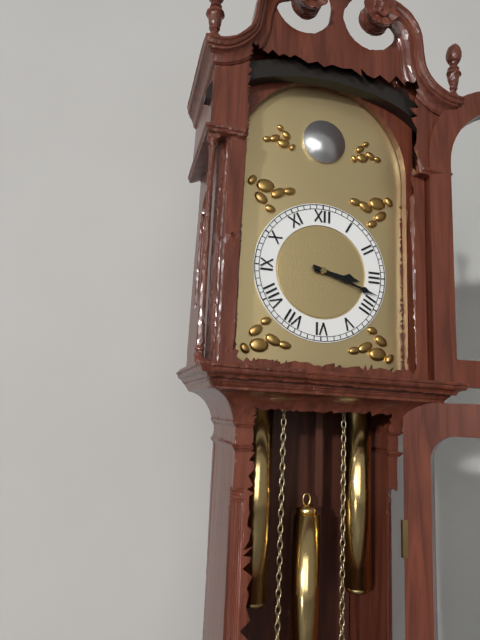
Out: 3,18
